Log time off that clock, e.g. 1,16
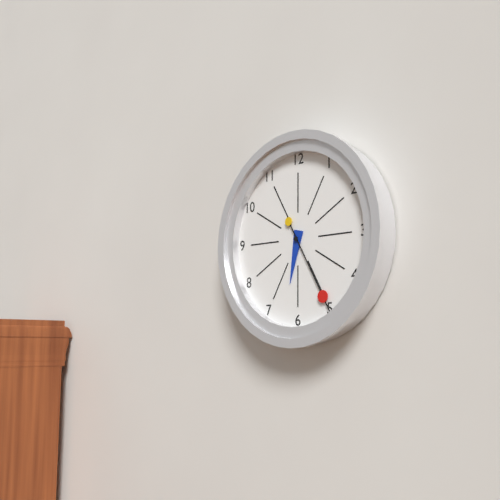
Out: 6,25
